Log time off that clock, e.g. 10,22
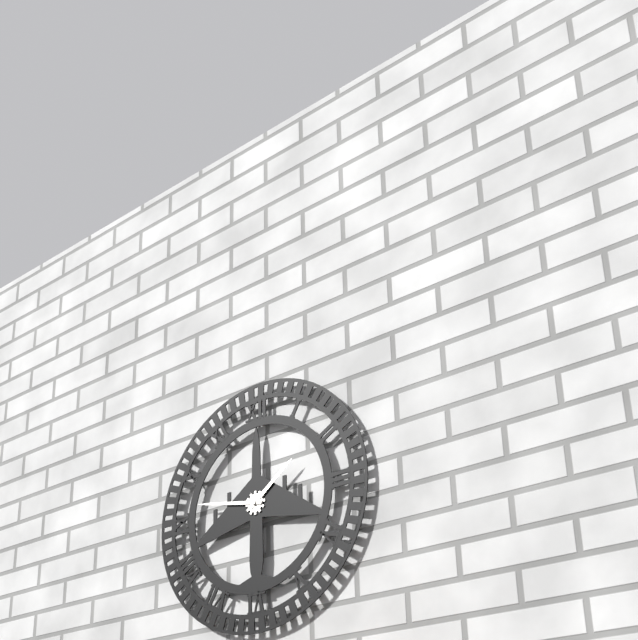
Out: 1,47
